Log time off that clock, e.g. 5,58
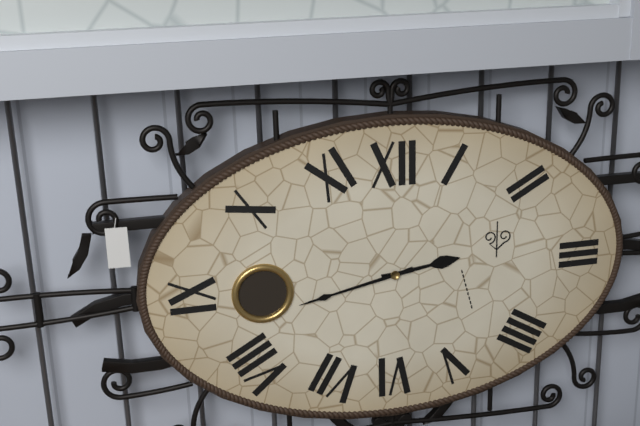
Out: 2,43
